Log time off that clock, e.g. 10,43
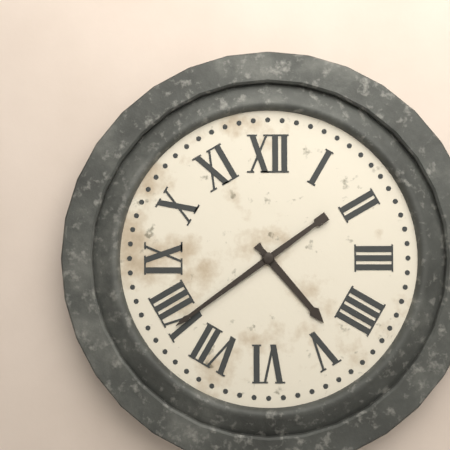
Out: 4,39
